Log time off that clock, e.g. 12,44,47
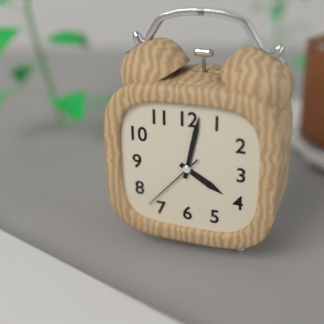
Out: 4,02,37
